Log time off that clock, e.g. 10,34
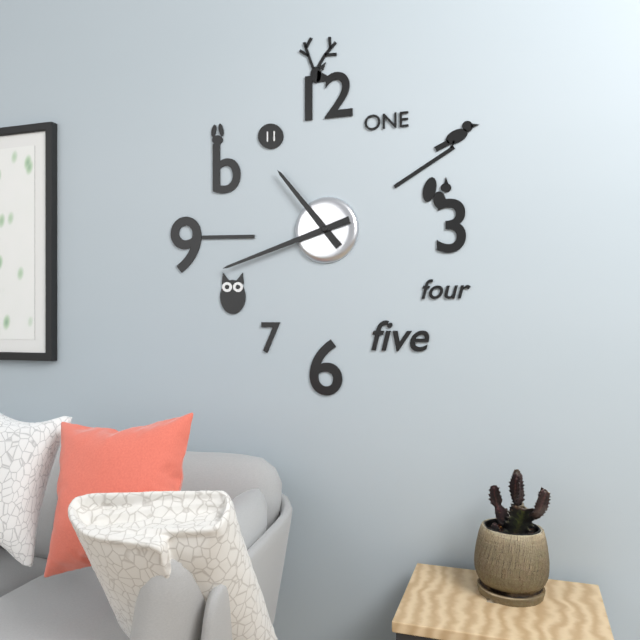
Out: 10,42
